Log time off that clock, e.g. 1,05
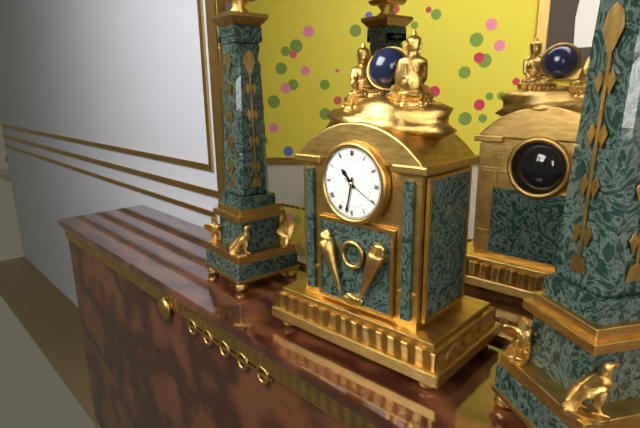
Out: 10,32
